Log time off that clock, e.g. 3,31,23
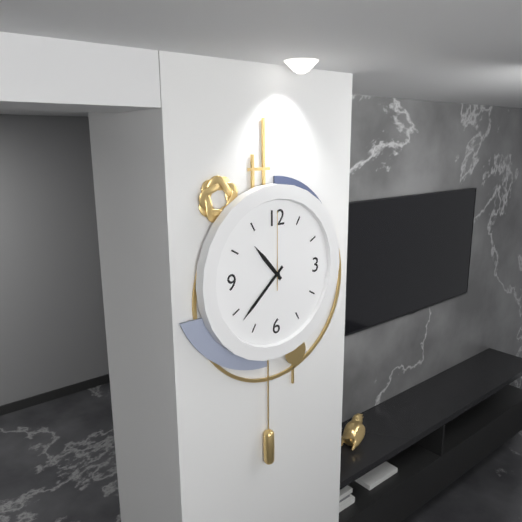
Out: 10,38,00
